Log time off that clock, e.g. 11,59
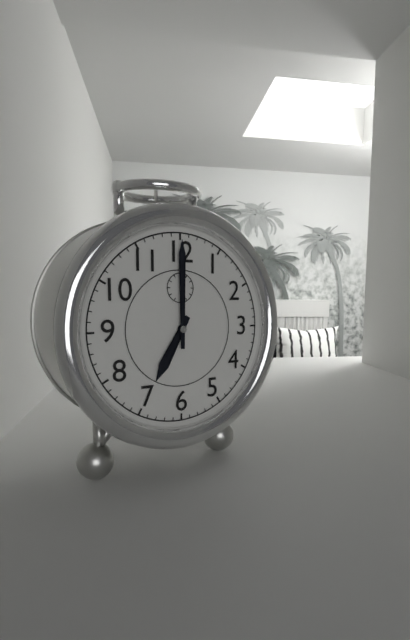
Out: 7,00
